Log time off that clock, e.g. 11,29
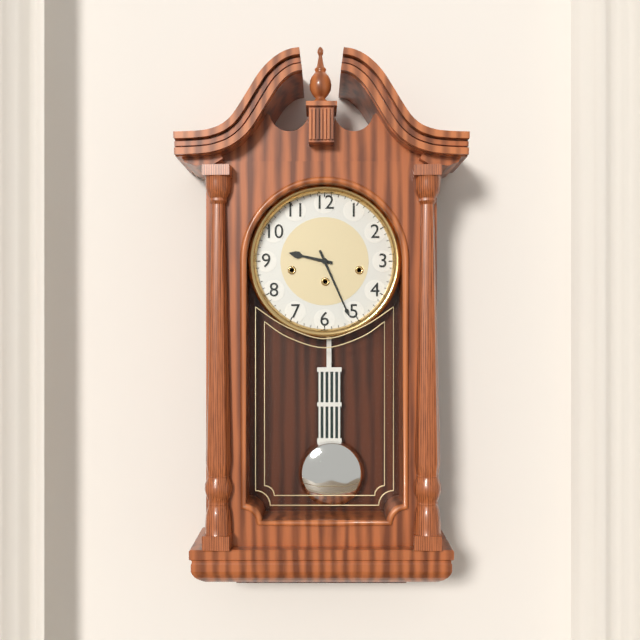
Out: 9,26
